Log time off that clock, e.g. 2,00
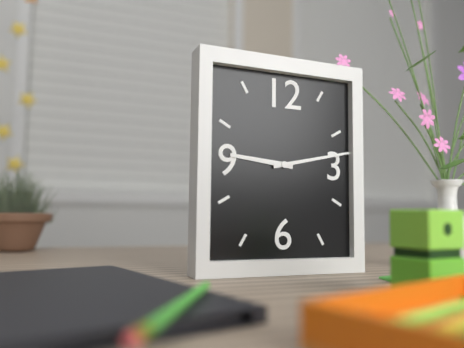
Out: 9,13
